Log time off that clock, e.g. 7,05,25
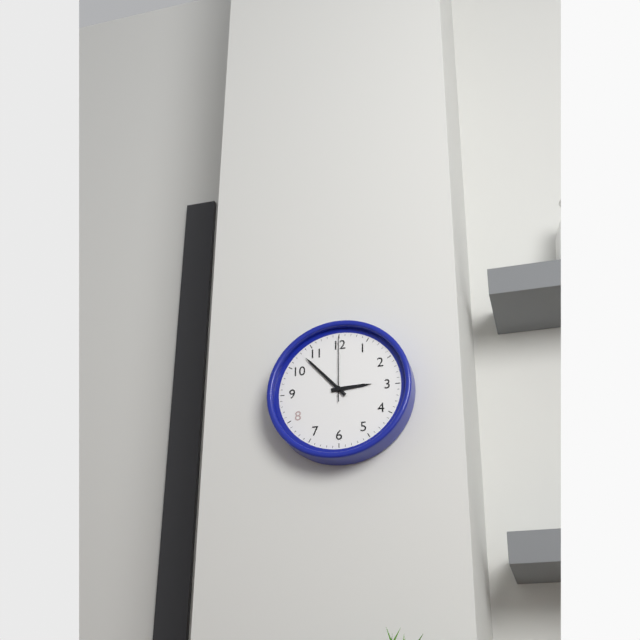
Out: 2,53,00
